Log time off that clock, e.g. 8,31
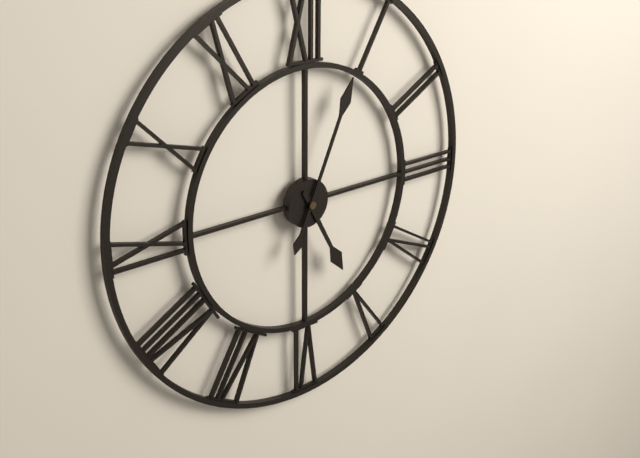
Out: 5,04
